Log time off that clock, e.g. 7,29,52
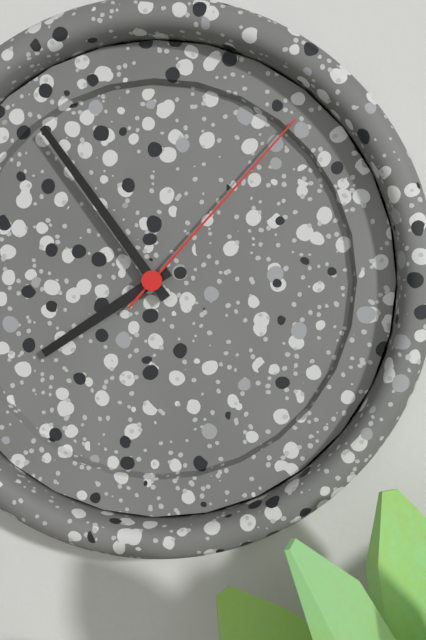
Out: 7,54,07
